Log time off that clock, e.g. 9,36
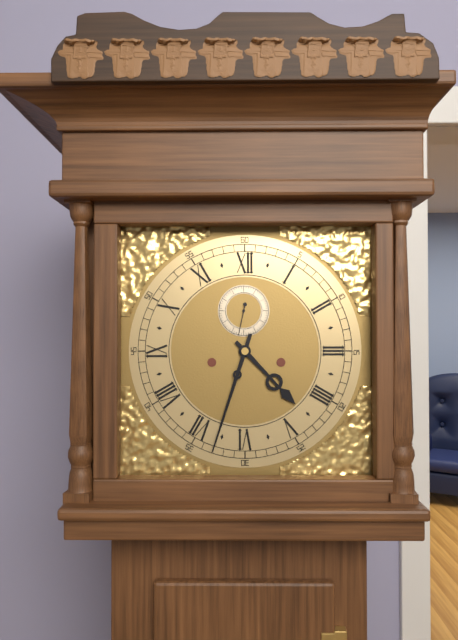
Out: 4,33
